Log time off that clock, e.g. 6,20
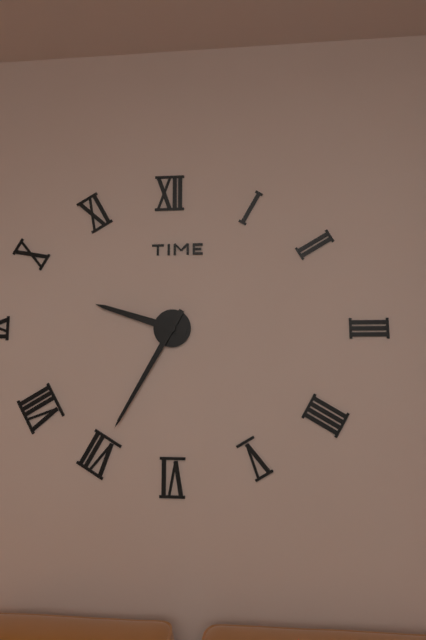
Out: 9,35
